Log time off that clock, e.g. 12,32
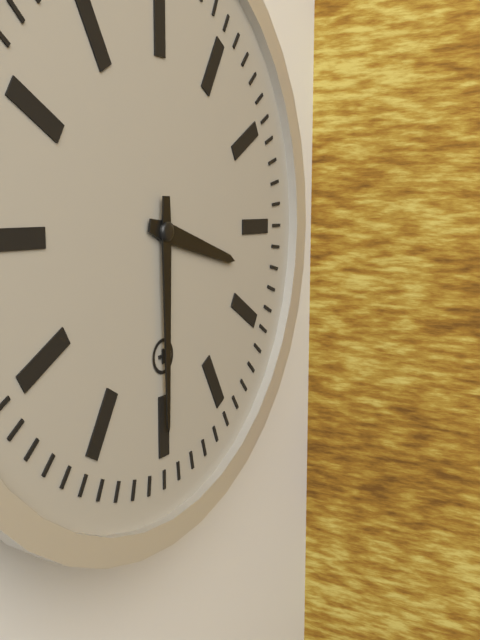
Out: 3,30
